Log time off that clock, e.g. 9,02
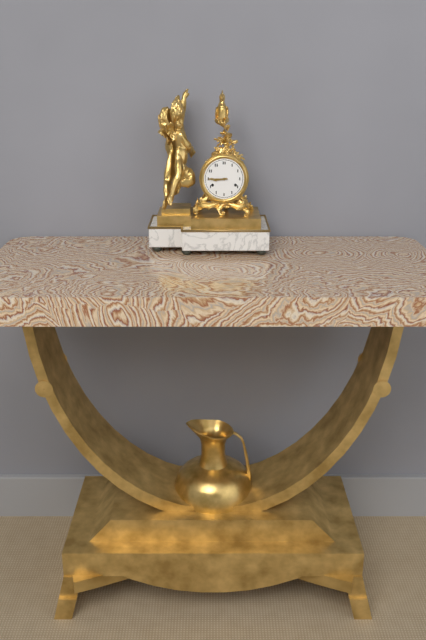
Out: 8,45
